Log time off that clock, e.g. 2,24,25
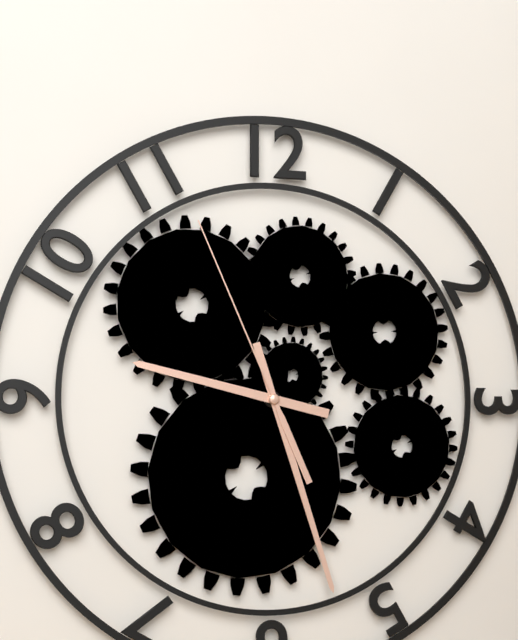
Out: 9,27,56
